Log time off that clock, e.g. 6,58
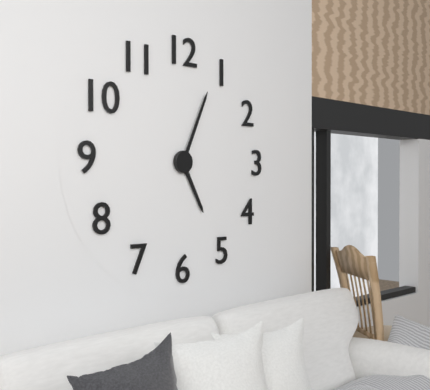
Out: 5,04
